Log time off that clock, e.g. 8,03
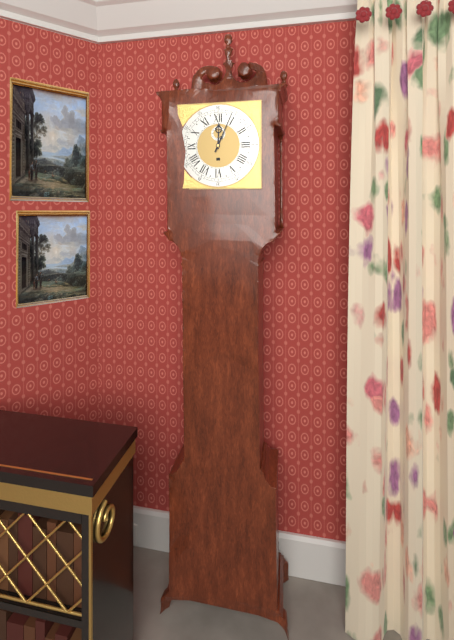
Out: 12,04
